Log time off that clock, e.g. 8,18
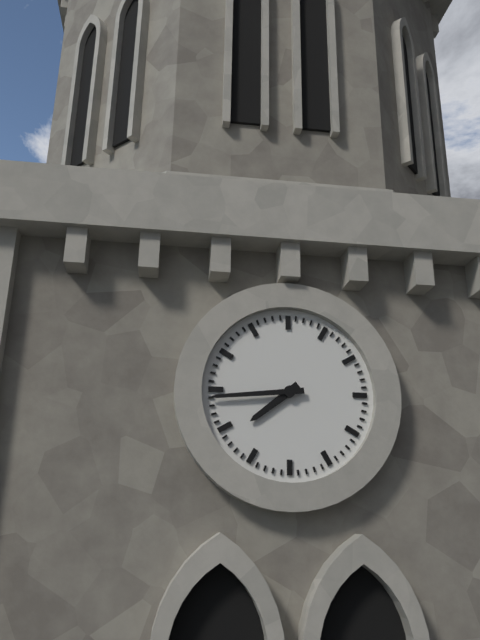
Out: 7,44
